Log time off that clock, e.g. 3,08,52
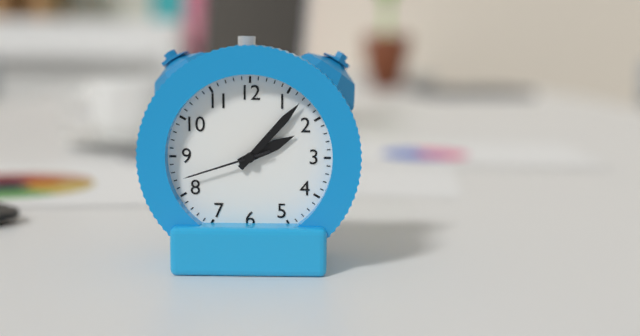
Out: 2,07,42
